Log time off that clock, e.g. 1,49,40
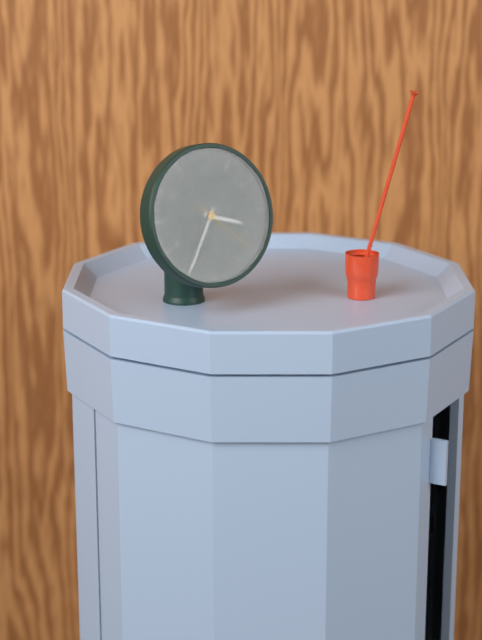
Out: 3,35,22
